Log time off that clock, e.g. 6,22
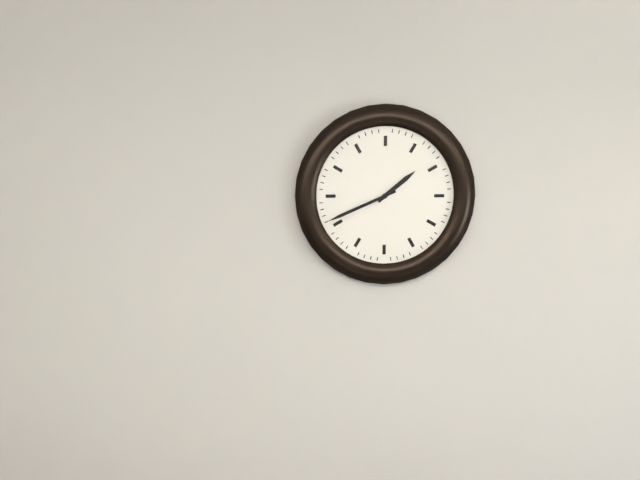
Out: 1,41
